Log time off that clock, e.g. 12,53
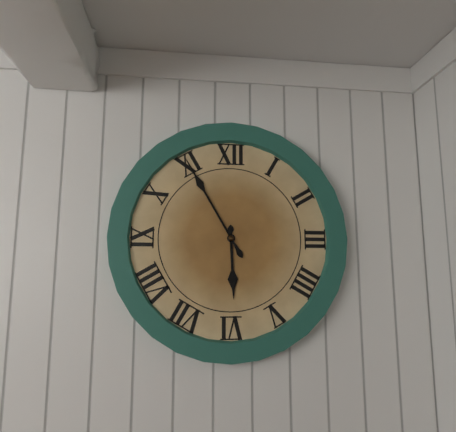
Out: 5,55
